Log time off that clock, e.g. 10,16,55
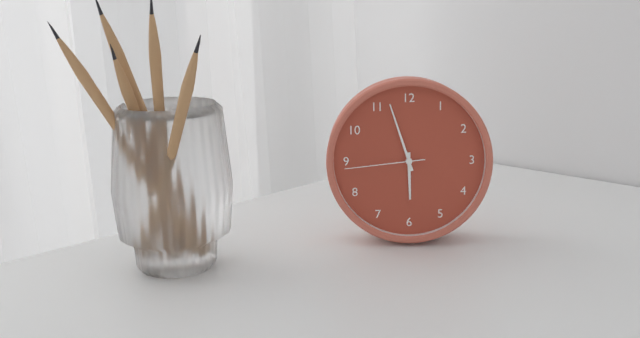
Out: 5,57,44
